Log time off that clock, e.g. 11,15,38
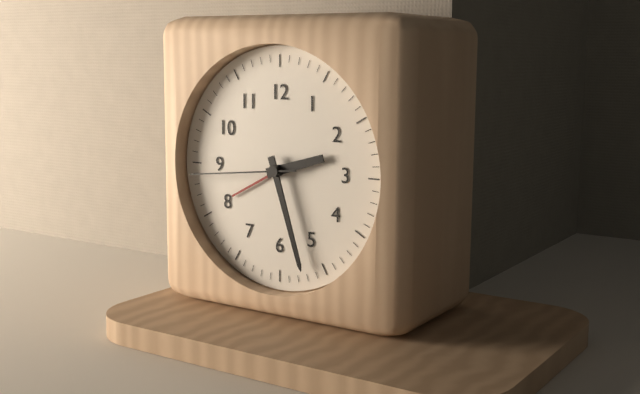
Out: 2,27,44
